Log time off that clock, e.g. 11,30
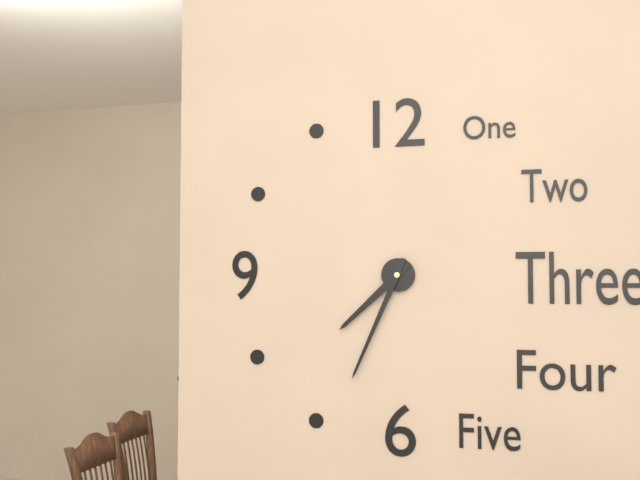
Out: 7,34
